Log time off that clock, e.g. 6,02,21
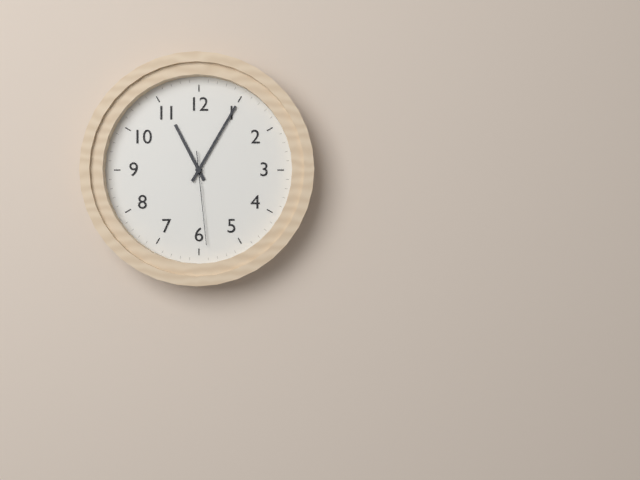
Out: 11,05,29
